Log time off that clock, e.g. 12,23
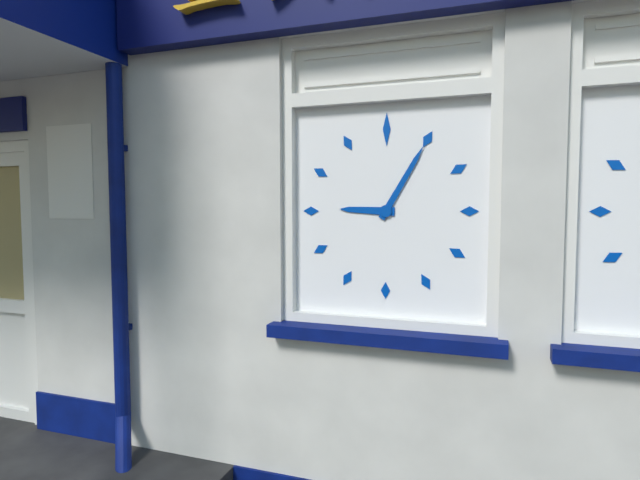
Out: 9,05
